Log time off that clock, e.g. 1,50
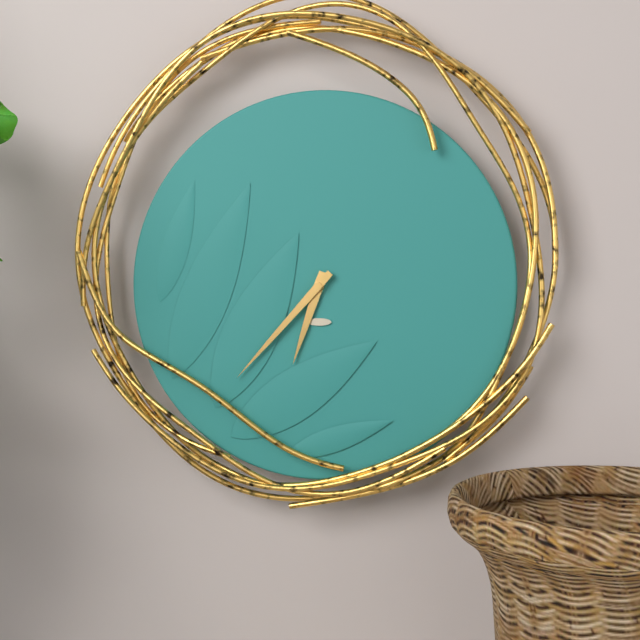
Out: 6,37
